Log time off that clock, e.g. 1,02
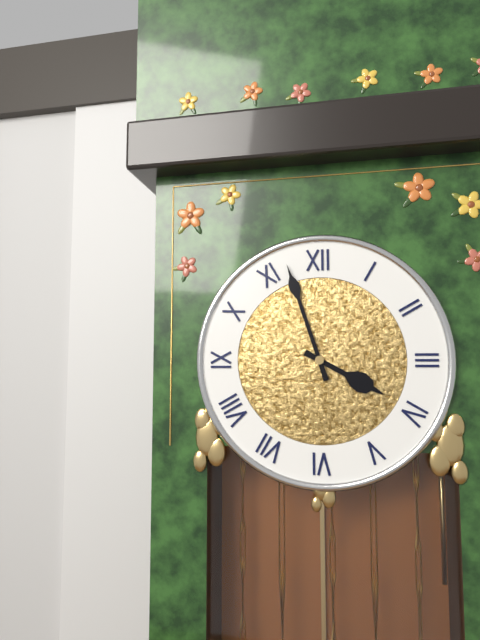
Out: 3,57
